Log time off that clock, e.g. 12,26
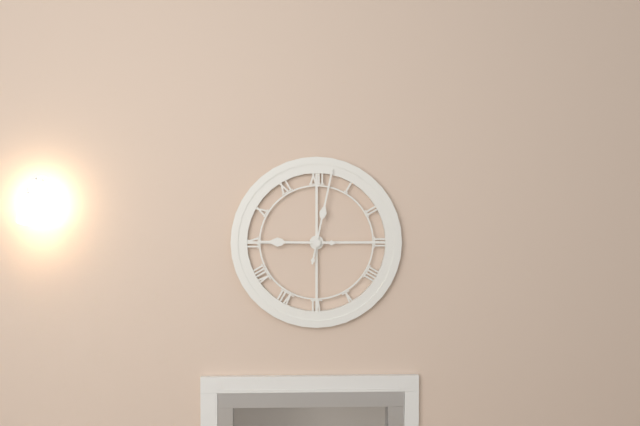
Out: 9,02
